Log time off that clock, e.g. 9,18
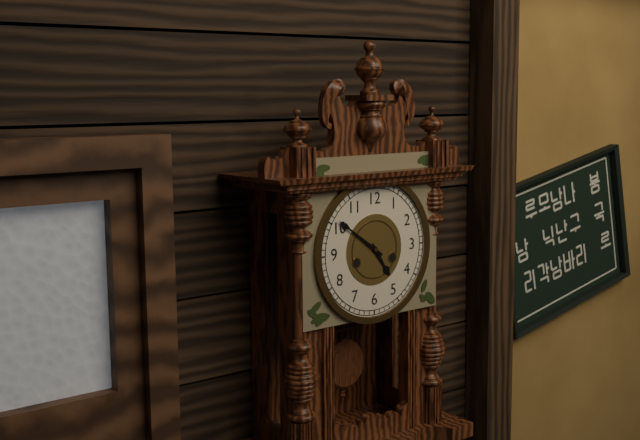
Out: 4,51
